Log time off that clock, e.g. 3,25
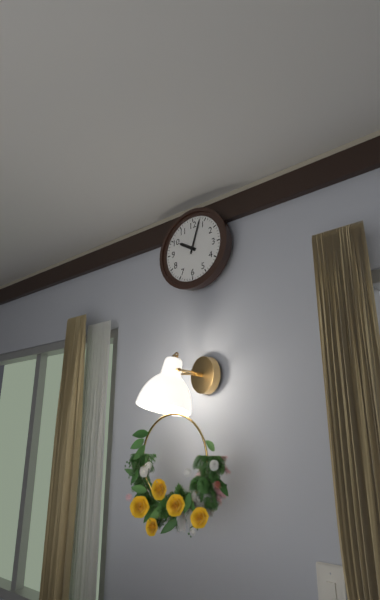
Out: 10,03
